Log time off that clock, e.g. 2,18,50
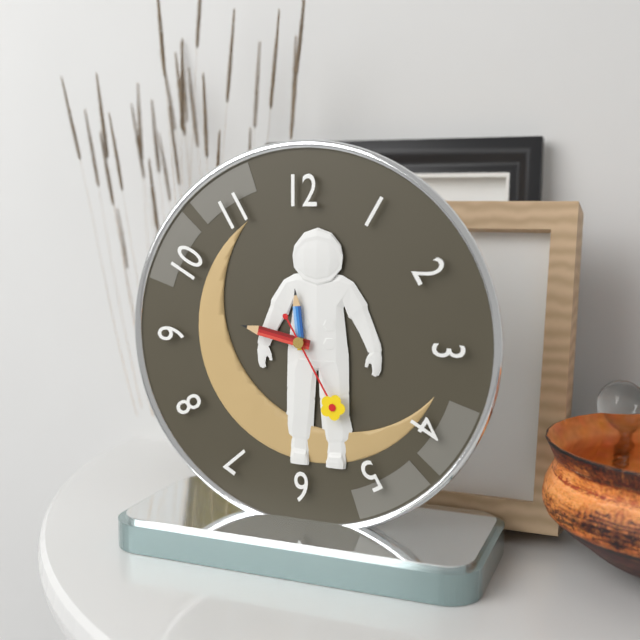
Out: 11,47,25
